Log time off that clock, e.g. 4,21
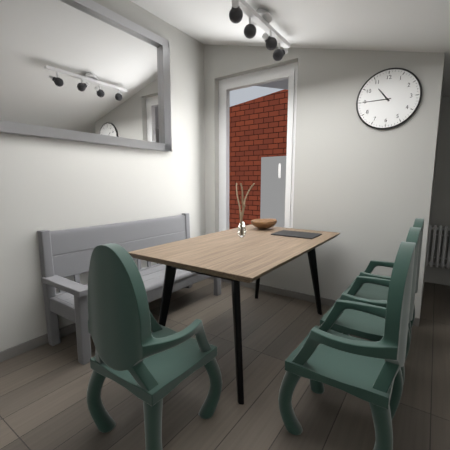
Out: 10,45
